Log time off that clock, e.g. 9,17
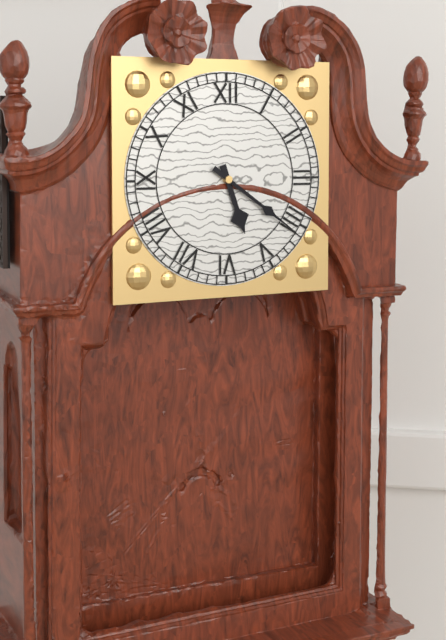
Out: 5,21
